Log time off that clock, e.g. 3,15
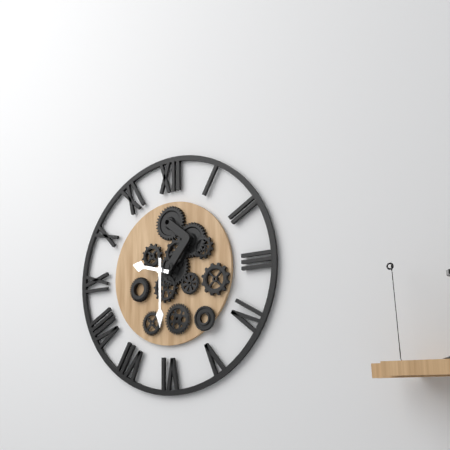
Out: 9,30
